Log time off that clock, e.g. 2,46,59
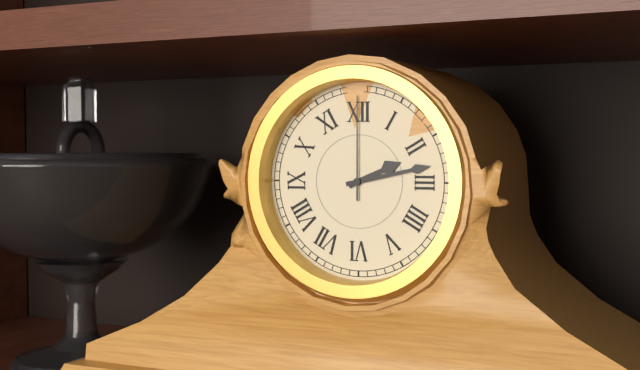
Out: 2,13,00
